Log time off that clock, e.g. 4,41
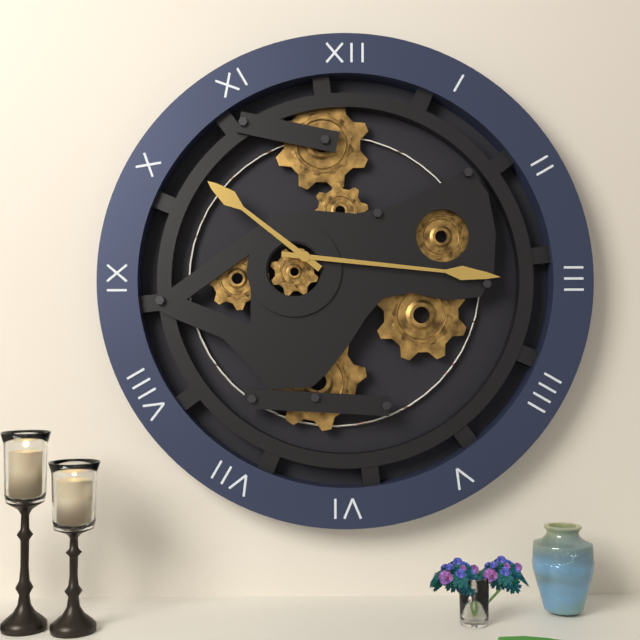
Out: 10,16
